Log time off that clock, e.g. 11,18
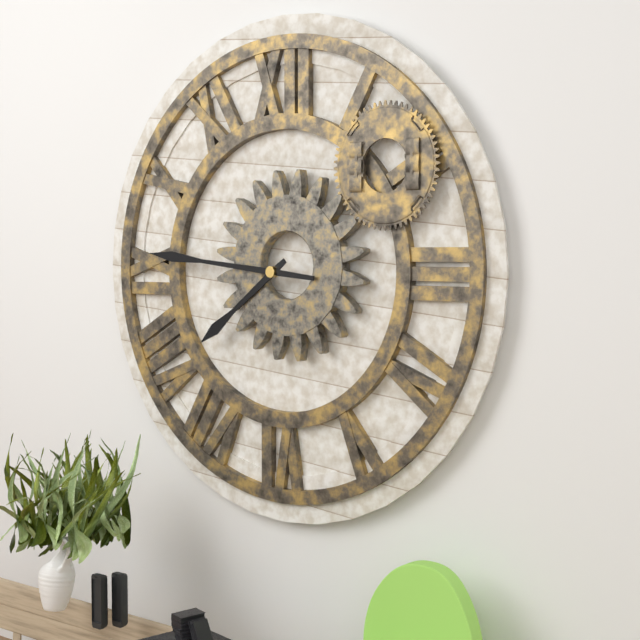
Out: 7,46
